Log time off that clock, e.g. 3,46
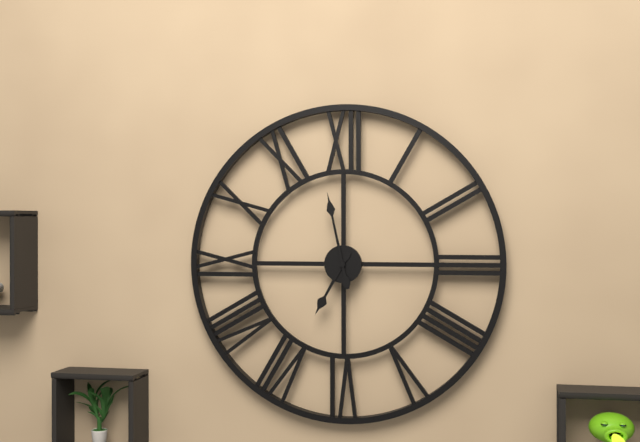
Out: 6,58
